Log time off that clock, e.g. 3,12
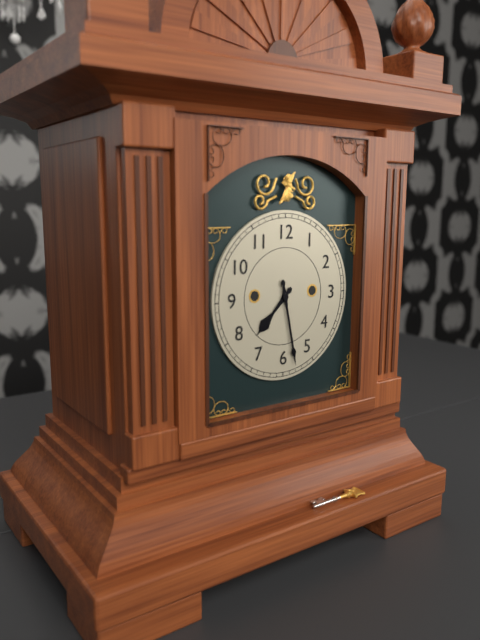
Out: 7,28
